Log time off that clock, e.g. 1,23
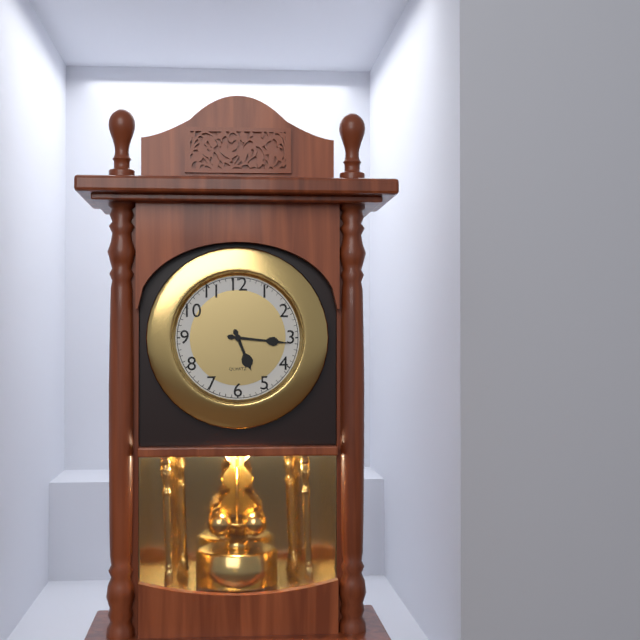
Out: 5,16
